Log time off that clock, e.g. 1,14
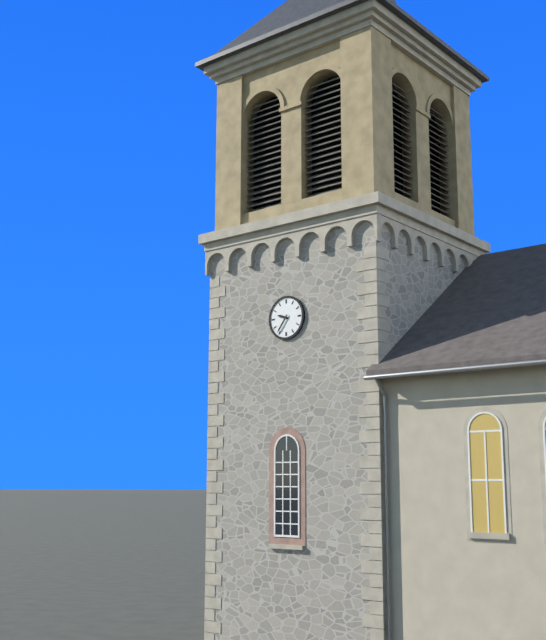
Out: 9,36
